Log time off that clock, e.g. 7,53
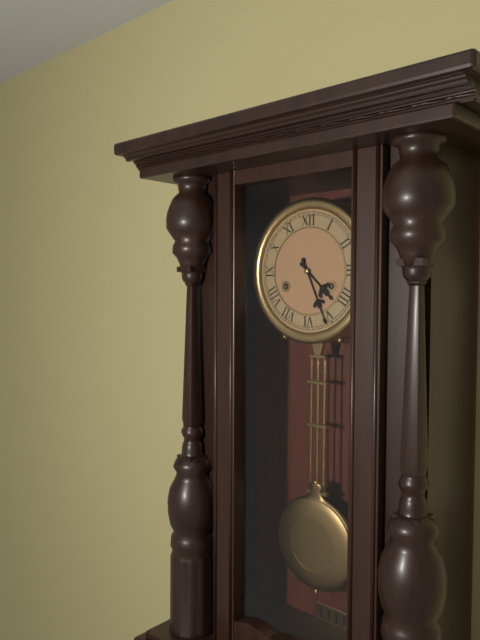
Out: 4,26
